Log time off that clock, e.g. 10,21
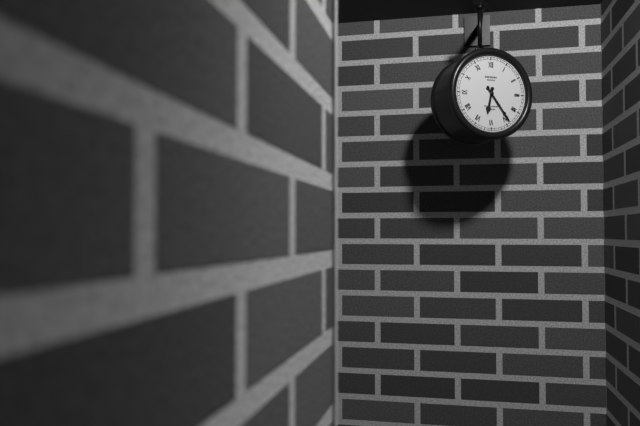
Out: 6,24
